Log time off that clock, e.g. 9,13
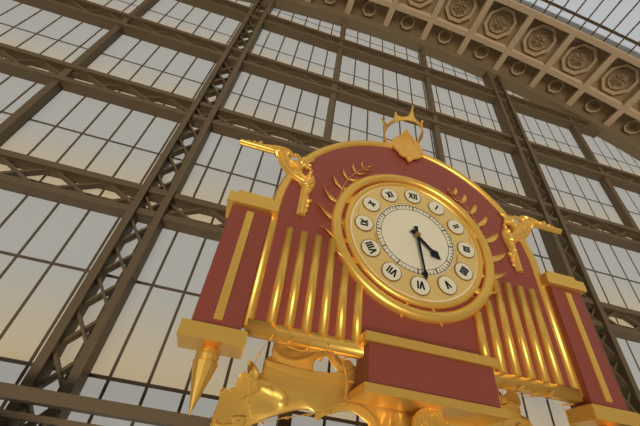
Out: 4,29
